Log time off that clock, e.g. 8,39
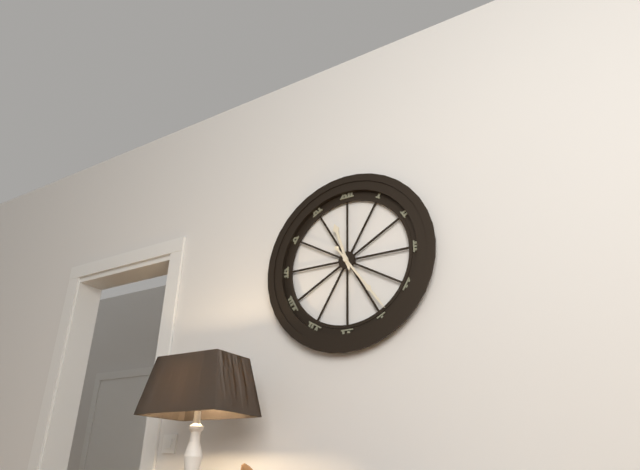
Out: 11,24
